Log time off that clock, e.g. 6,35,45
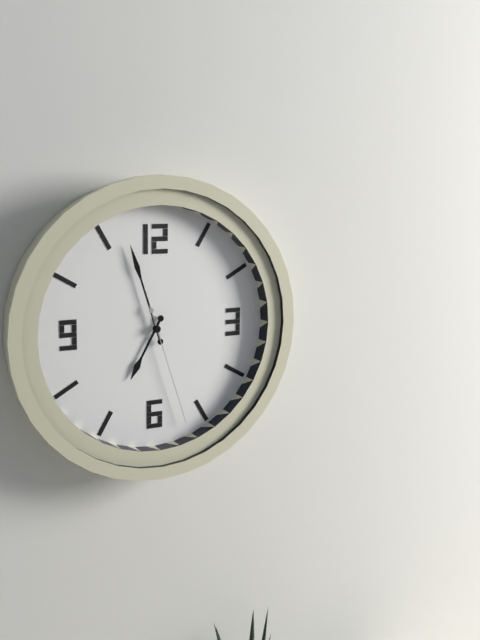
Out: 6,57,27
